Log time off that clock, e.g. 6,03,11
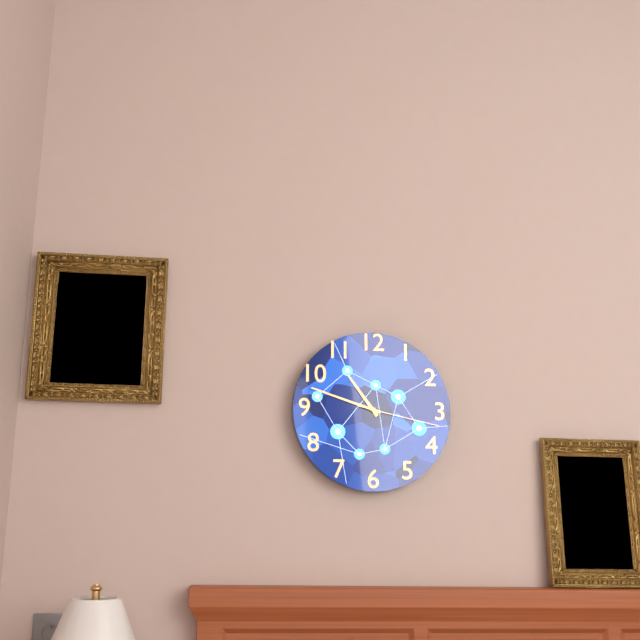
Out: 10,48,17
